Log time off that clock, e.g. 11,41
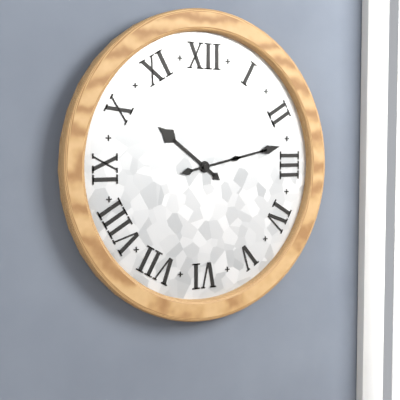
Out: 10,13
